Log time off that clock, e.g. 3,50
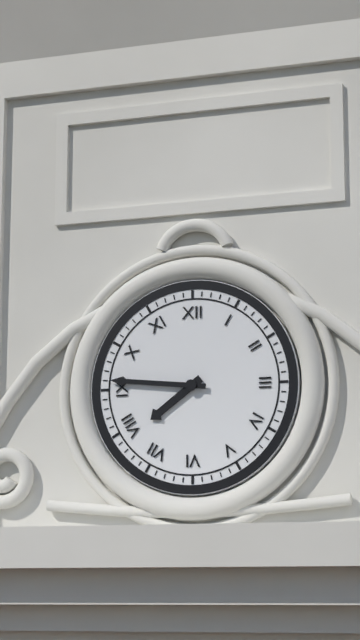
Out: 7,46
